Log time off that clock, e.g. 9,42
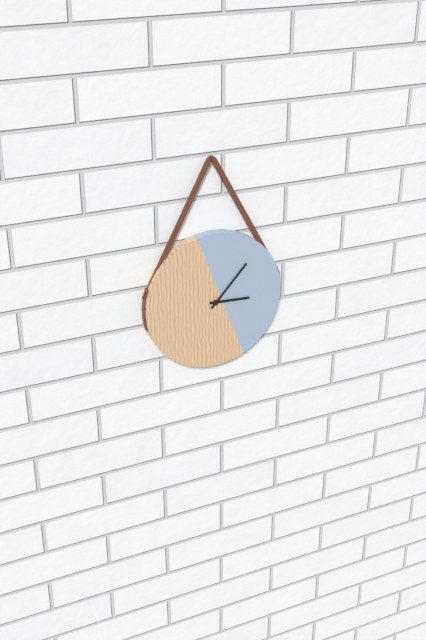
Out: 3,07
